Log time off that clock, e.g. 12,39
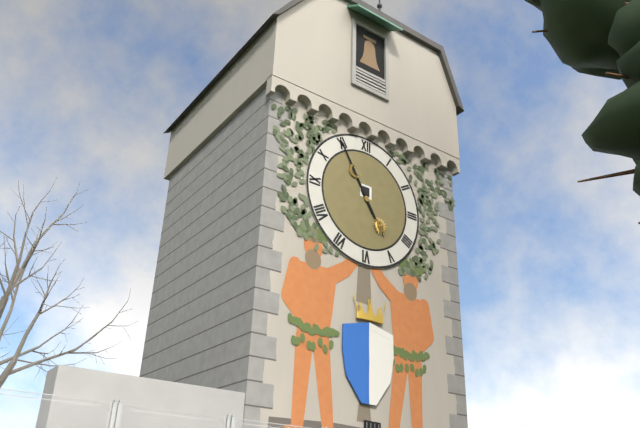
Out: 4,55
